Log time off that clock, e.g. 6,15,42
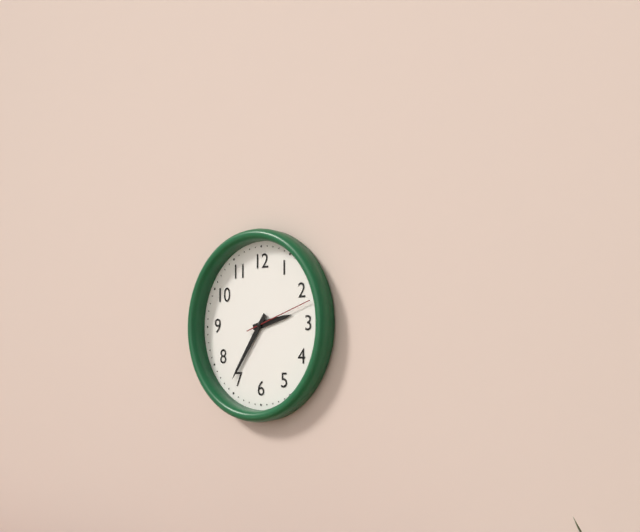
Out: 2,36,12
